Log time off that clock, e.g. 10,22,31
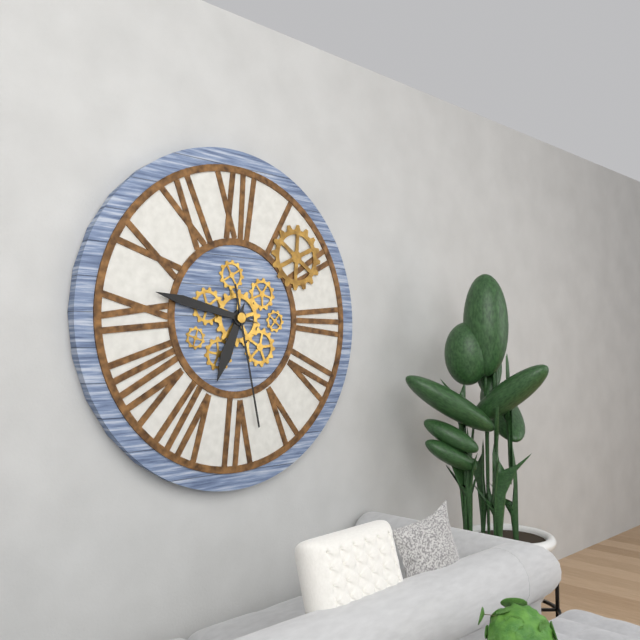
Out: 6,47,28
